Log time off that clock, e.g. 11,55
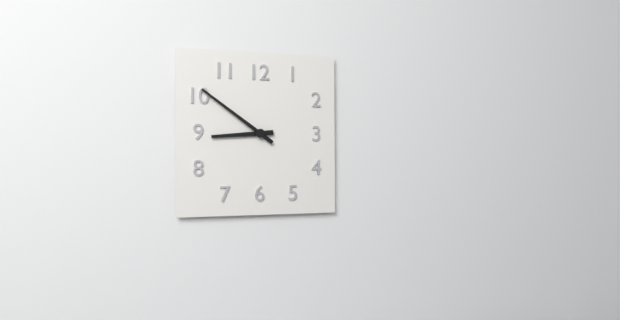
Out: 8,51
